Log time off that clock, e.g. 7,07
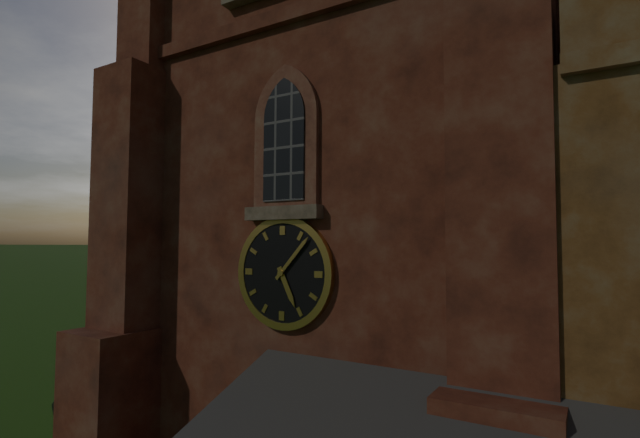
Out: 5,07
